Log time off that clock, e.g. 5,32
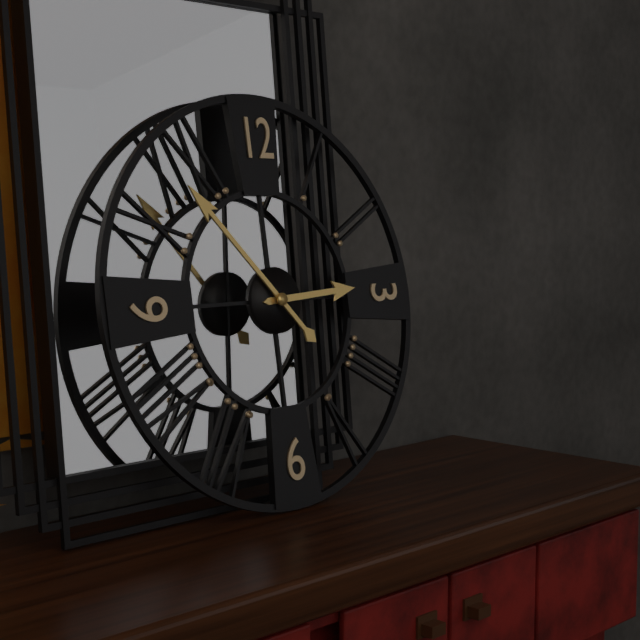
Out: 2,53
